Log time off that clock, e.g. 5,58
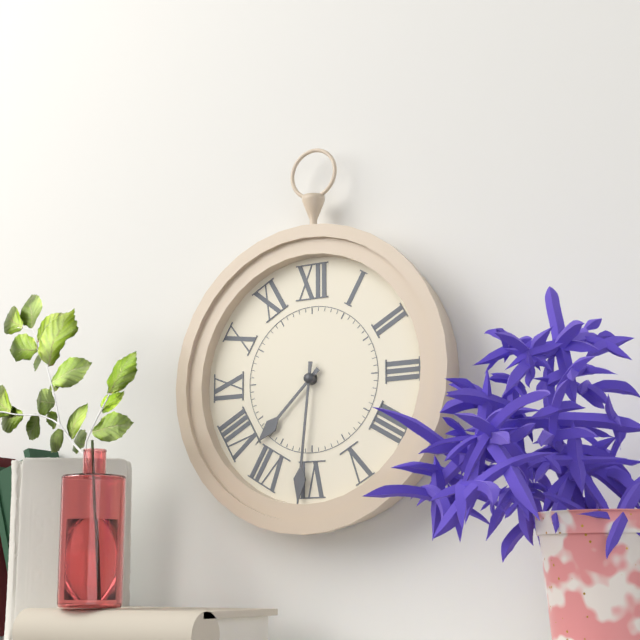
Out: 7,31
